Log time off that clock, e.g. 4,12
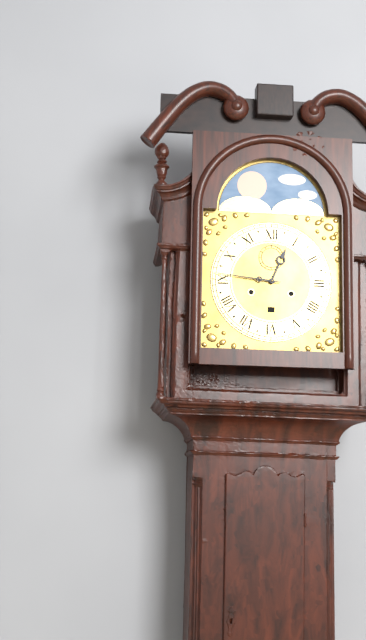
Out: 12,46
